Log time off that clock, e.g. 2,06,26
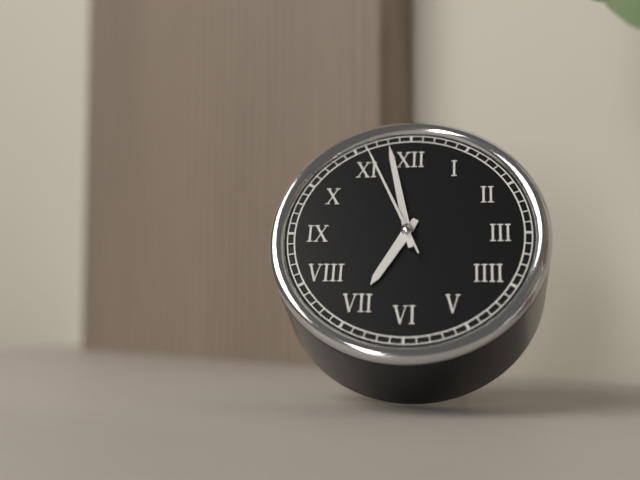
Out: 6,58,56
